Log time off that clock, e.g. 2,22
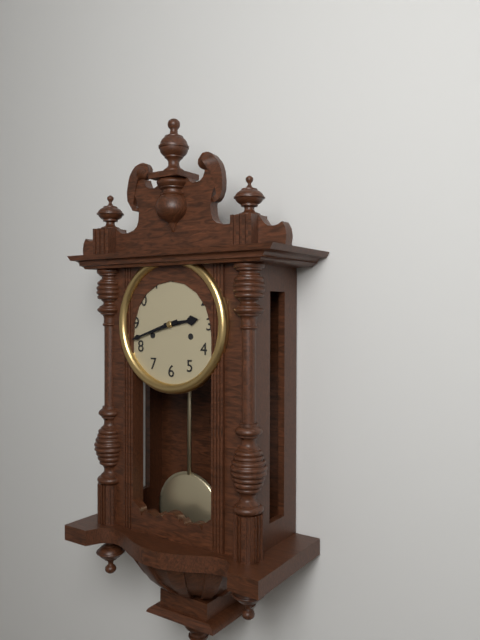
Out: 2,42
